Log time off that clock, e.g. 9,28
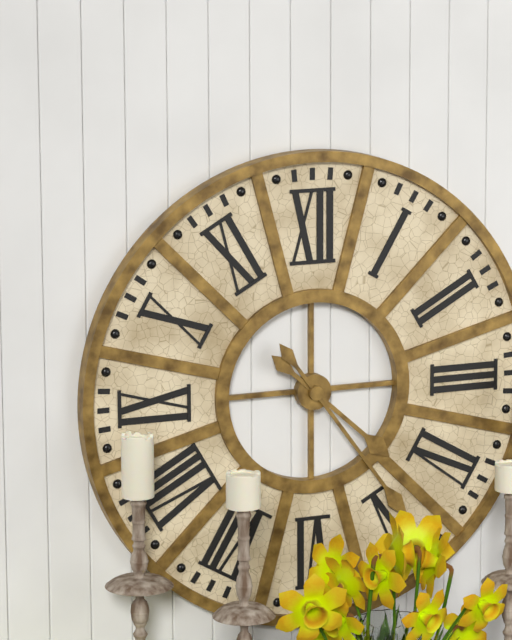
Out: 4,24
